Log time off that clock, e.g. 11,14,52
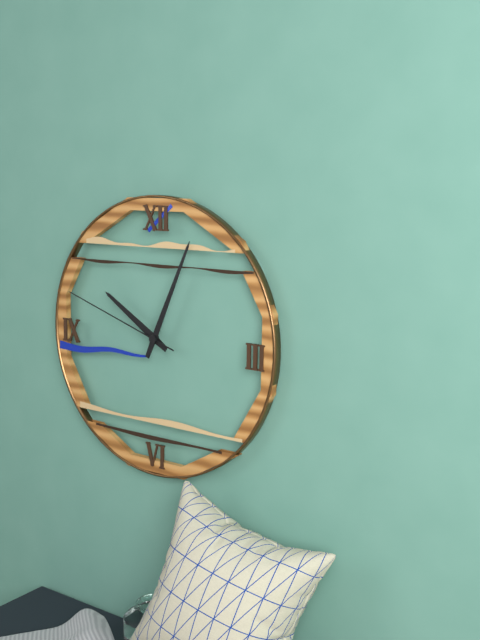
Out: 10,04,48
